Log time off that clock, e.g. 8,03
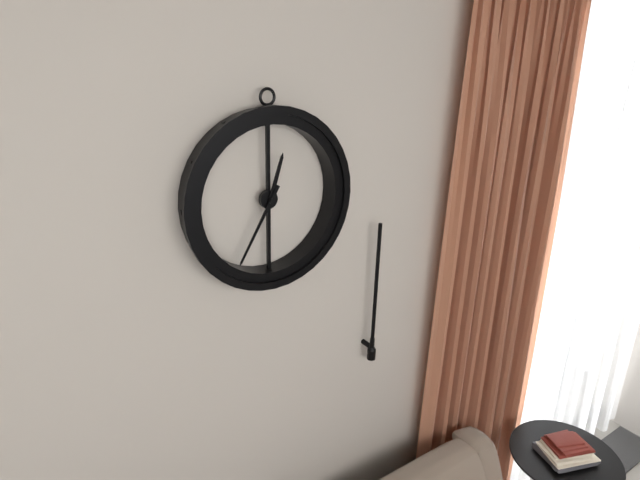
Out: 12,35
